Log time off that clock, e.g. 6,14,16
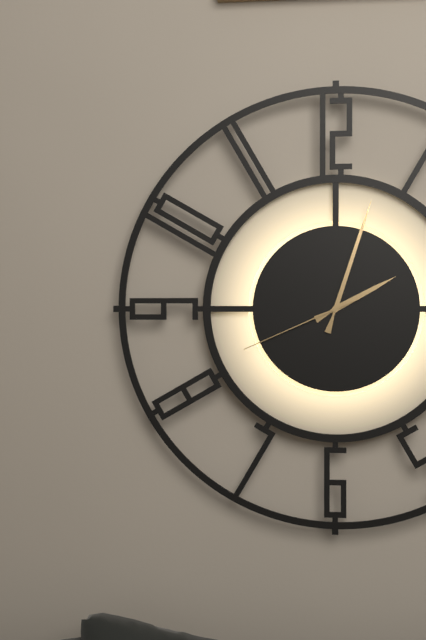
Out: 2,03,41
